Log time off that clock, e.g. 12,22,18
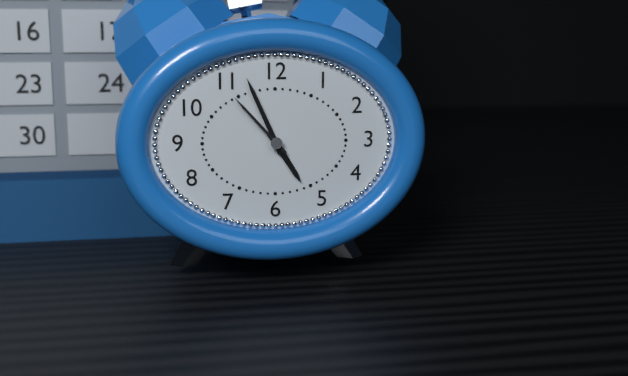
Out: 4,56,53
